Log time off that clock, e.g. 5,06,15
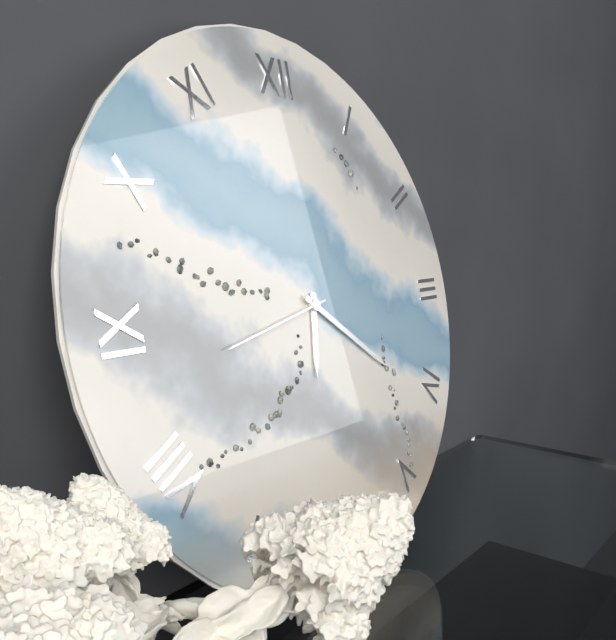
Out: 6,21,43
